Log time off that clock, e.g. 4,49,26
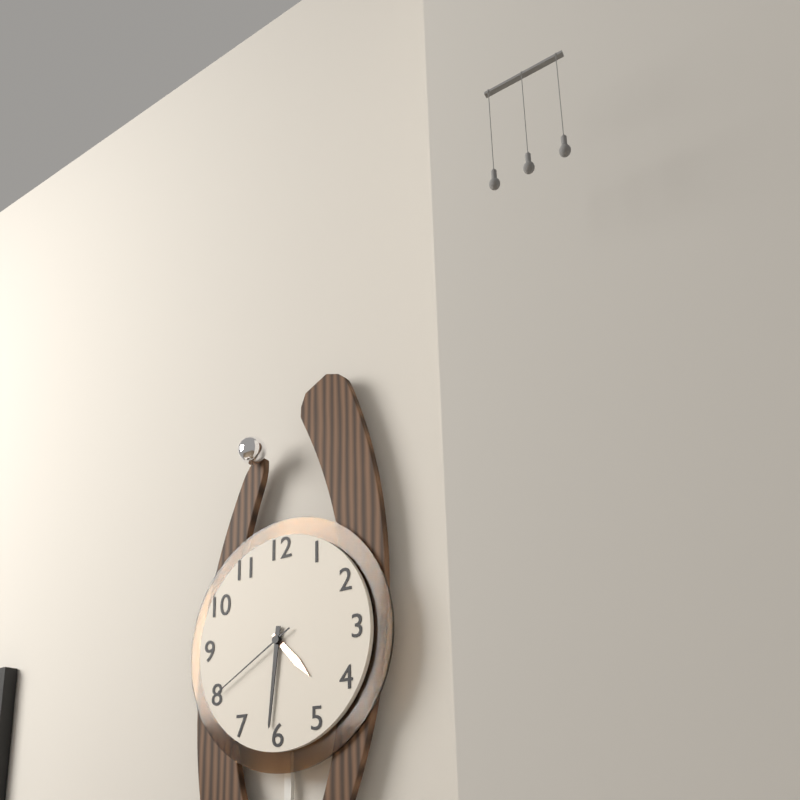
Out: 4,31,40
